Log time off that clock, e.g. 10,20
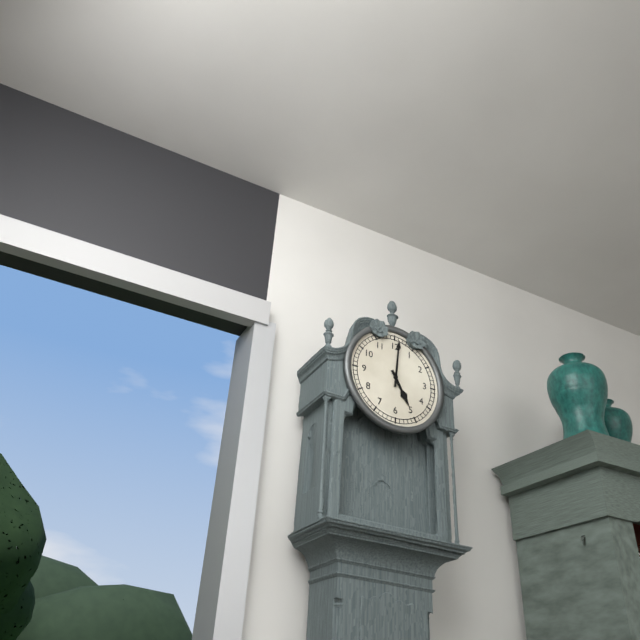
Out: 5,01
